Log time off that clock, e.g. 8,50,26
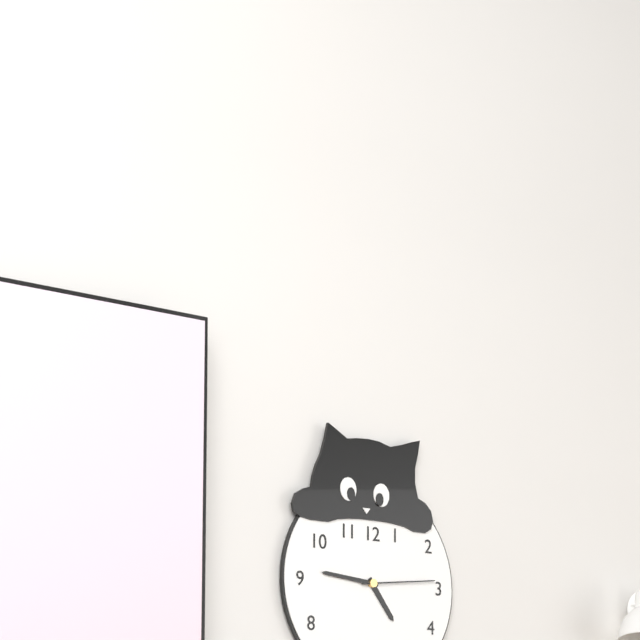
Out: 4,46,14
